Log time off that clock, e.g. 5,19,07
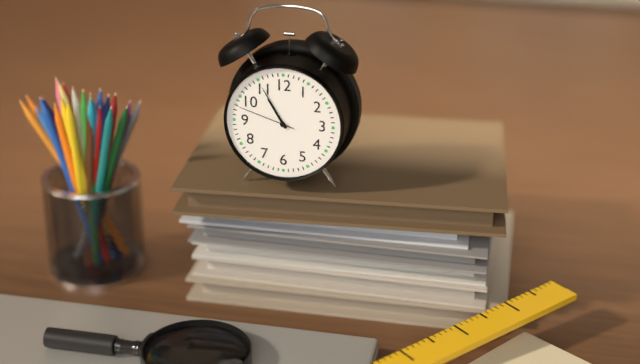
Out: 10,55,48
